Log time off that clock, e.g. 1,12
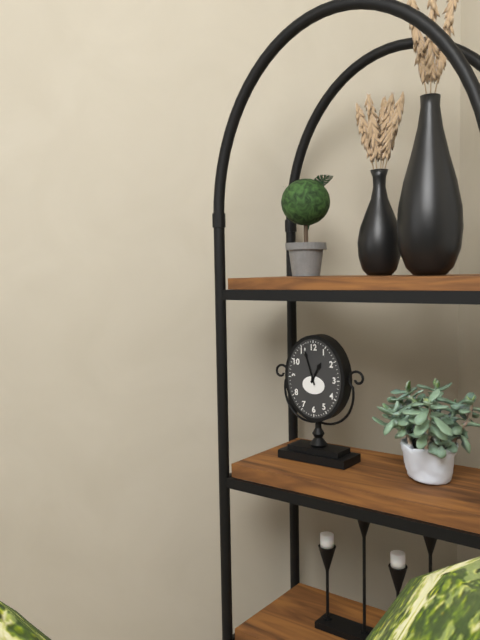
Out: 12,57
